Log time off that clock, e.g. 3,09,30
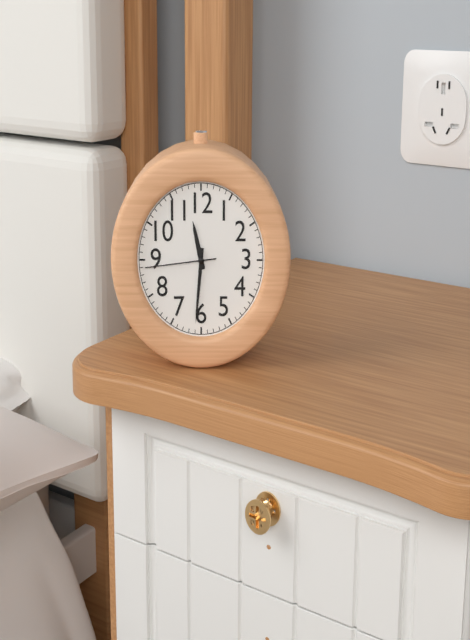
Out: 11,31,44
